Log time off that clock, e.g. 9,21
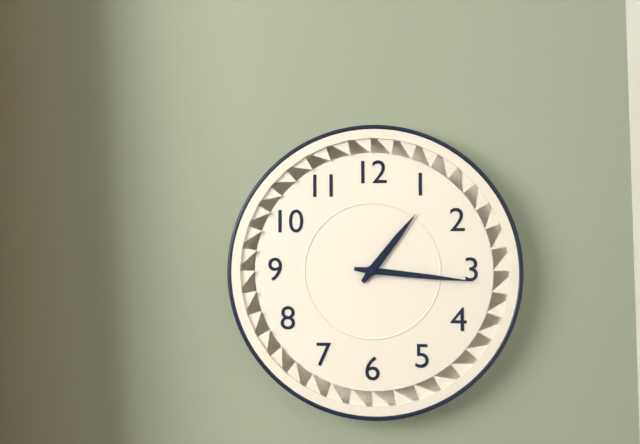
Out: 1,16
